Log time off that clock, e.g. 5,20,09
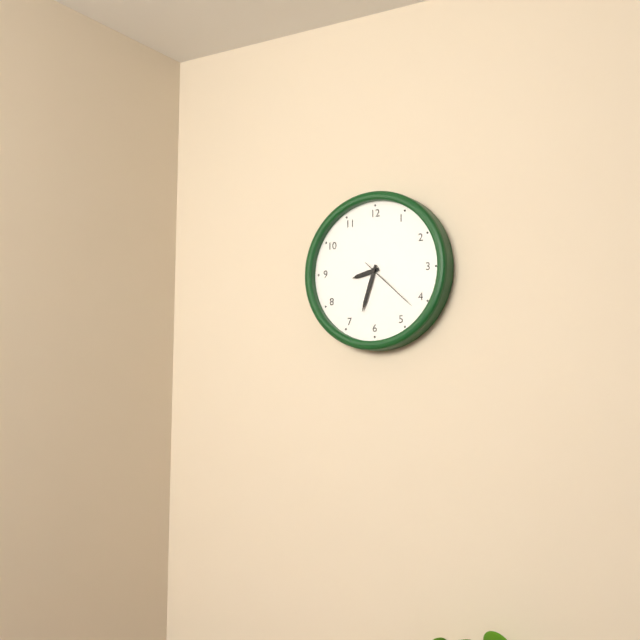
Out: 8,33,22
